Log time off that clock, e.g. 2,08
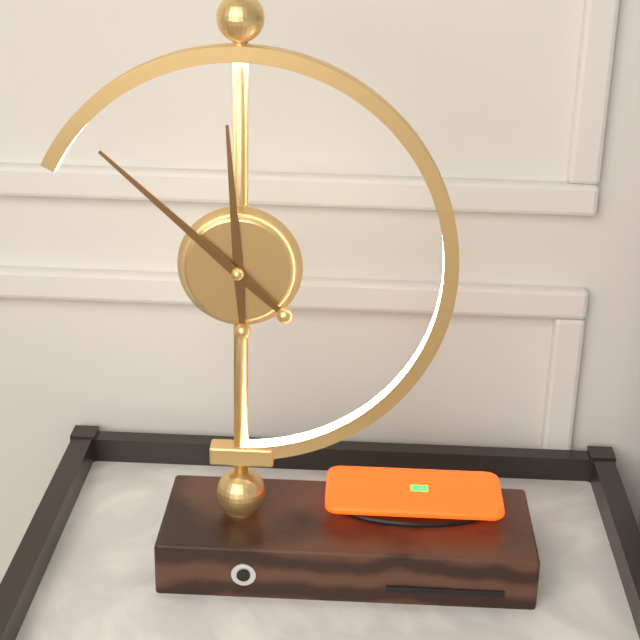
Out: 11,52
